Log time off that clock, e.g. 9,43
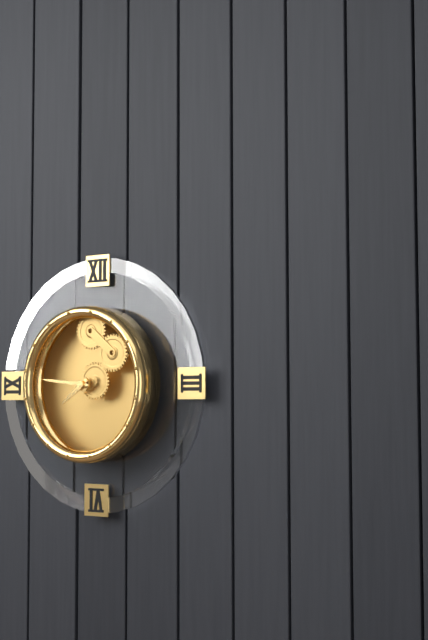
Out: 7,46
